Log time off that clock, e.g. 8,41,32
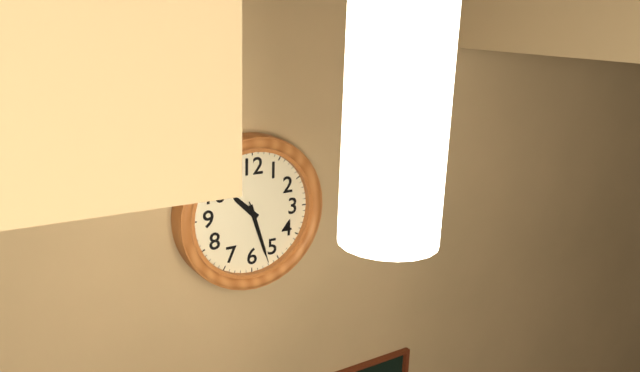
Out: 10,27,27
